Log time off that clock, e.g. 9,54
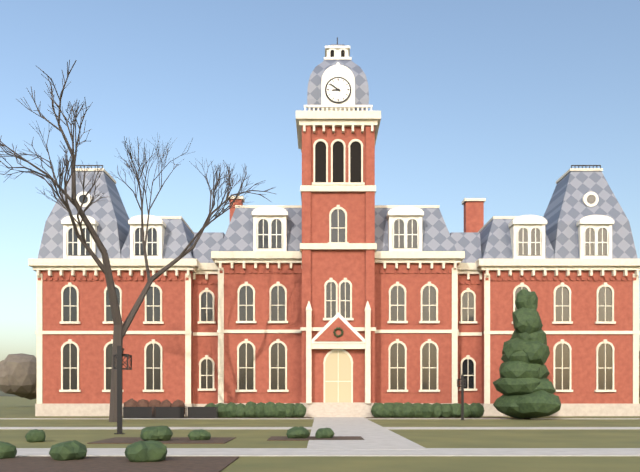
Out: 8,51
